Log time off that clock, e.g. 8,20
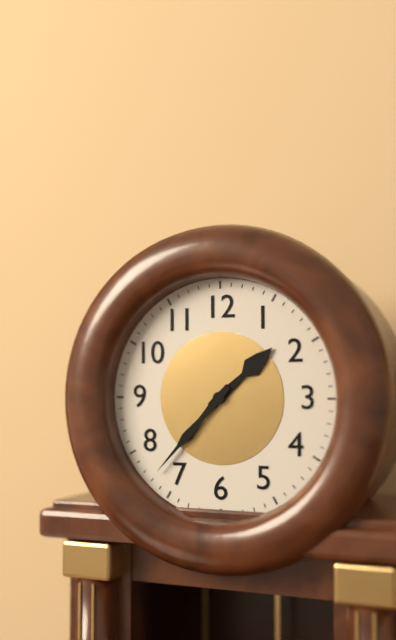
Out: 1,37
